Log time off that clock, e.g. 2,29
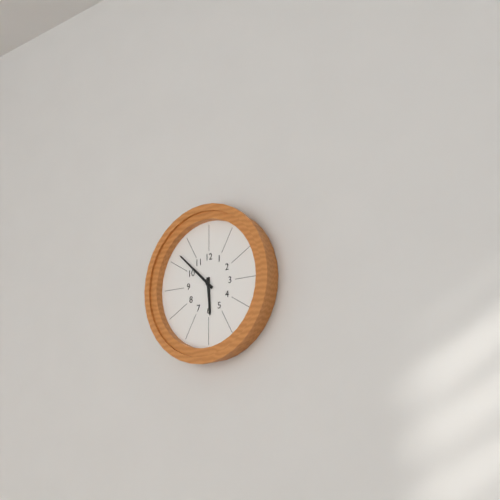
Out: 5,52
